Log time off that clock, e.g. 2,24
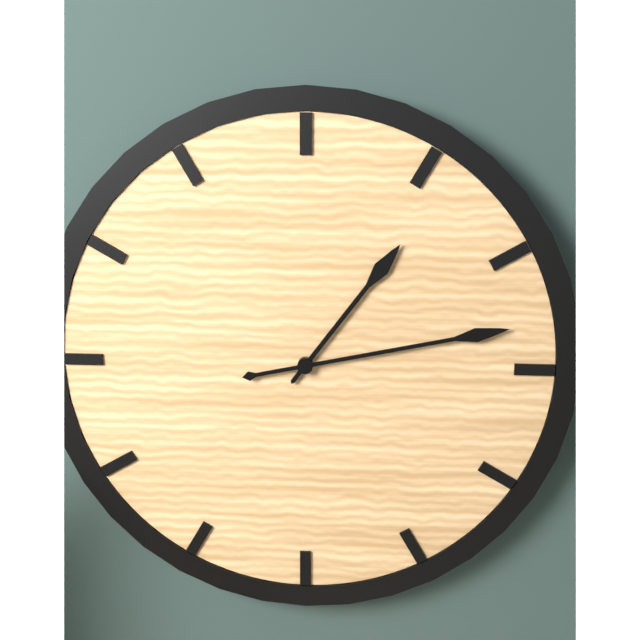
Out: 1,13
